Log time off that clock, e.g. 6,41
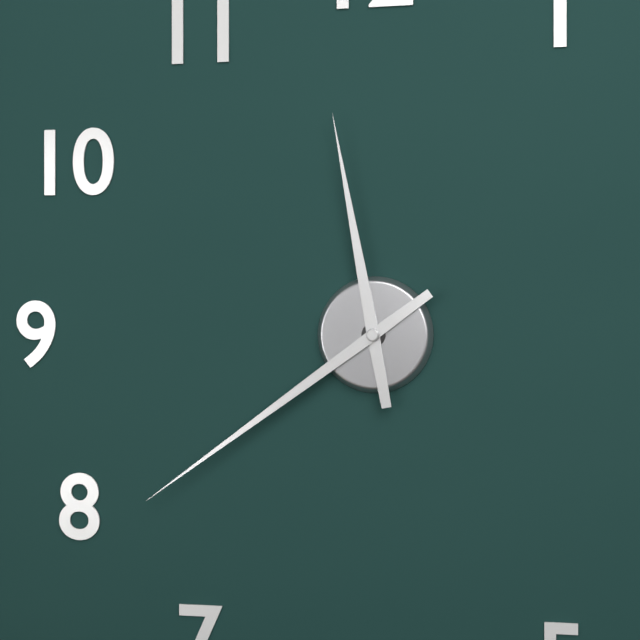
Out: 11,39
